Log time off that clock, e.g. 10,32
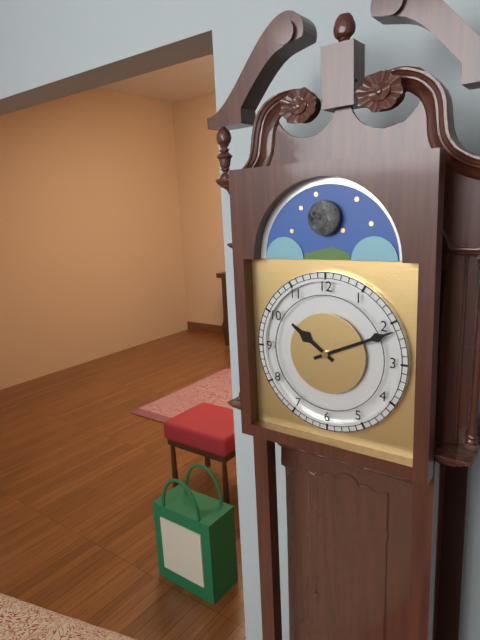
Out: 10,11
